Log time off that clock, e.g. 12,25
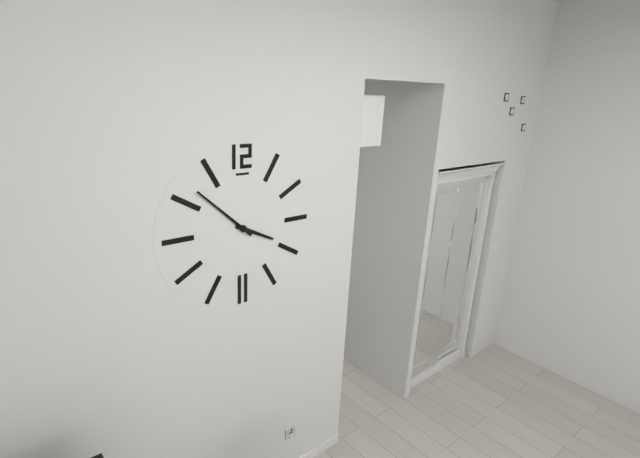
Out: 3,52
